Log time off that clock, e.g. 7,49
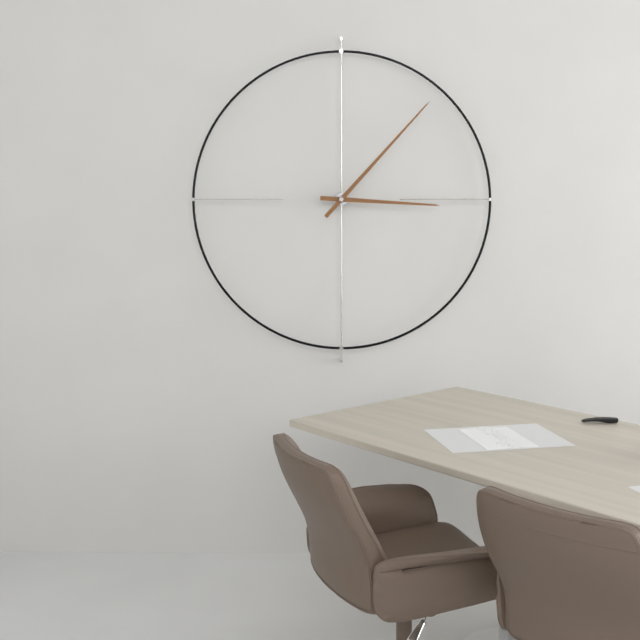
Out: 3,07
